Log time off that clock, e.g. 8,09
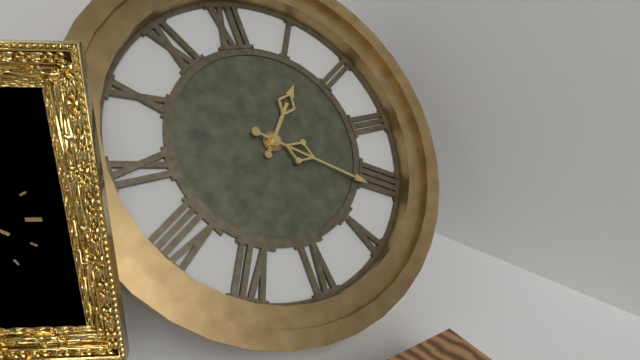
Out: 1,21
